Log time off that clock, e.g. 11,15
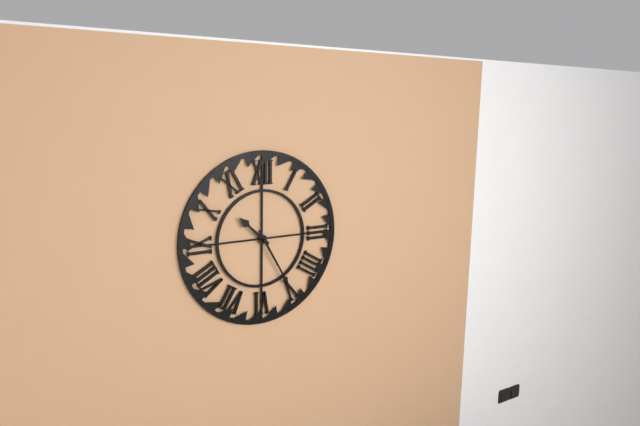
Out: 10,25
